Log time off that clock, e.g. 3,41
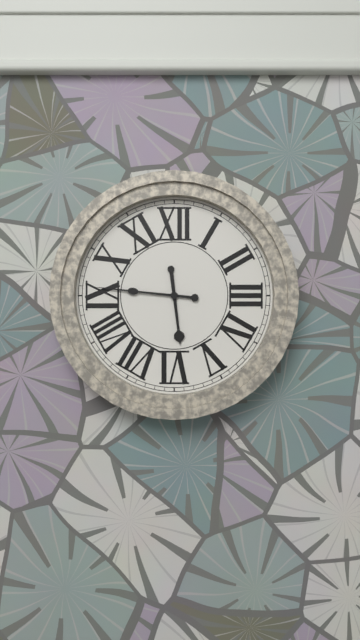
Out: 5,46
